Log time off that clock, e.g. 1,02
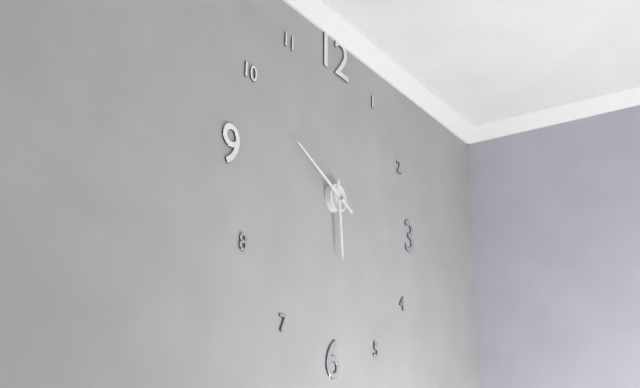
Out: 5,49
